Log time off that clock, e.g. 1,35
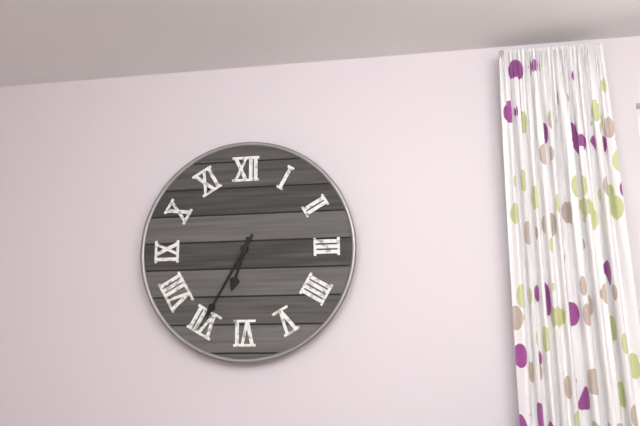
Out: 6,35
